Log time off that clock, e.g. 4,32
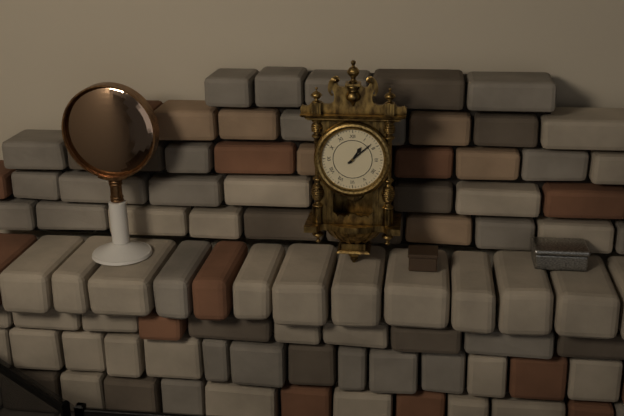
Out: 1,08
